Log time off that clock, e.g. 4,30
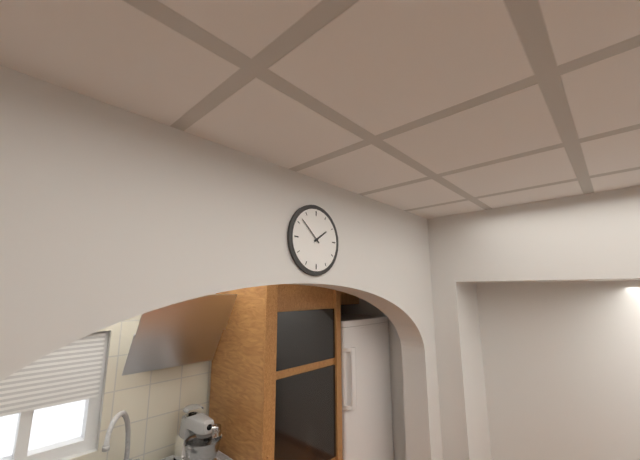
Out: 1,52
